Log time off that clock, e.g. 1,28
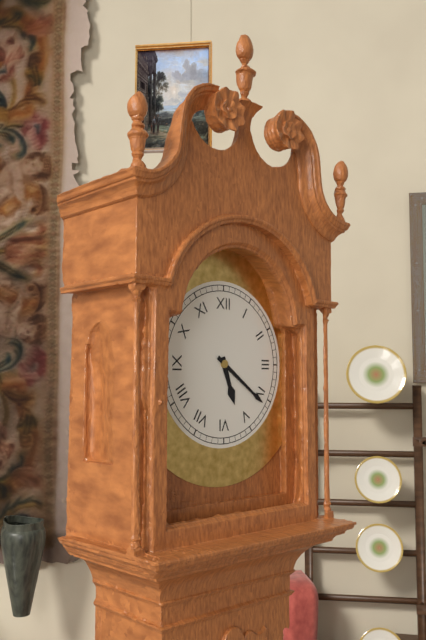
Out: 5,21
